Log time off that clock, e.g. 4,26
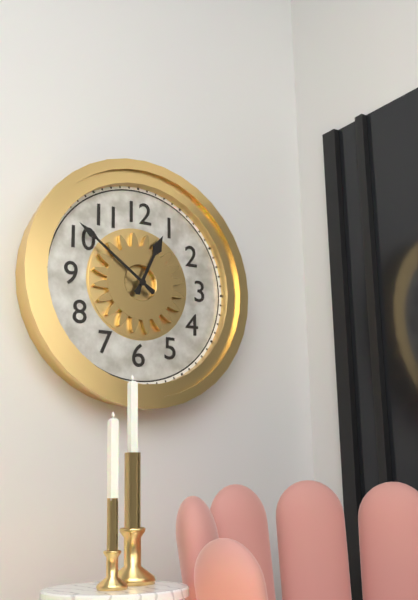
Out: 12,51
